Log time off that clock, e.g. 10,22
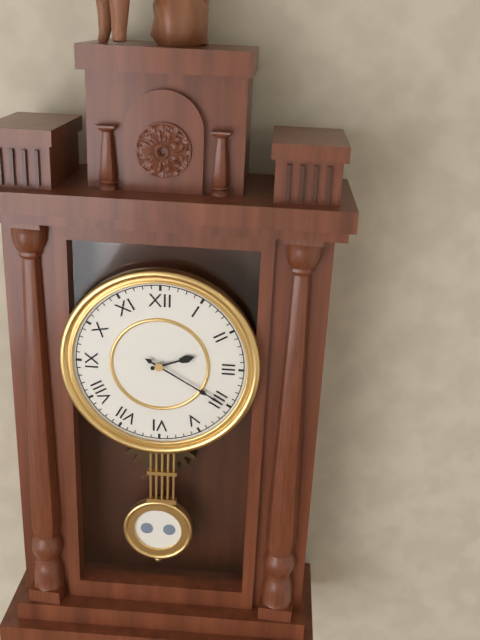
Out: 2,20
